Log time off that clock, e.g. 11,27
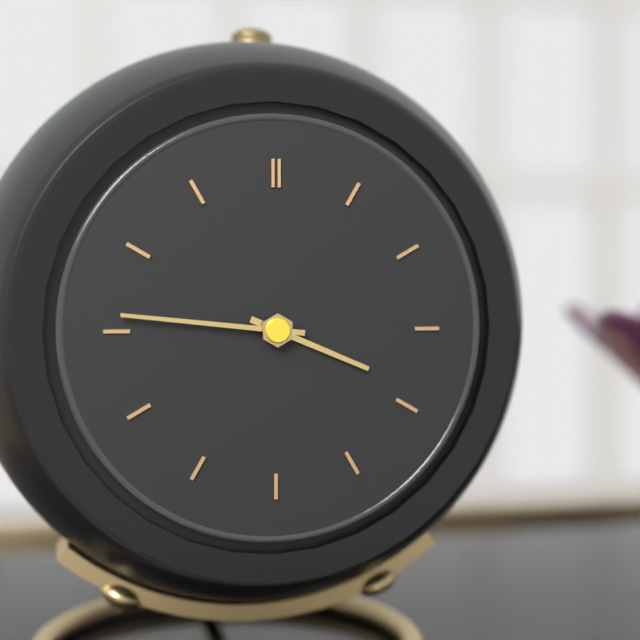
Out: 3,46
